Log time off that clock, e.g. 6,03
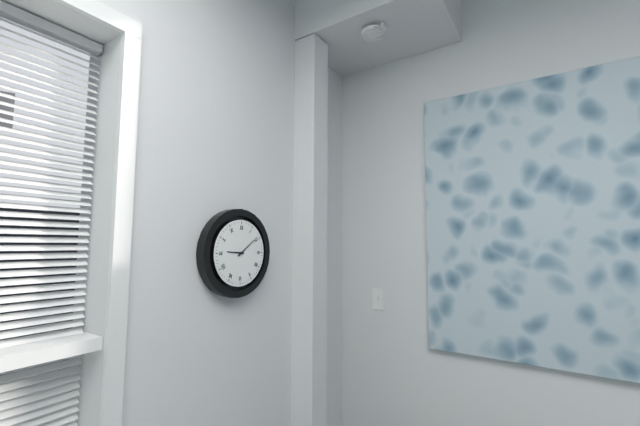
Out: 9,09
